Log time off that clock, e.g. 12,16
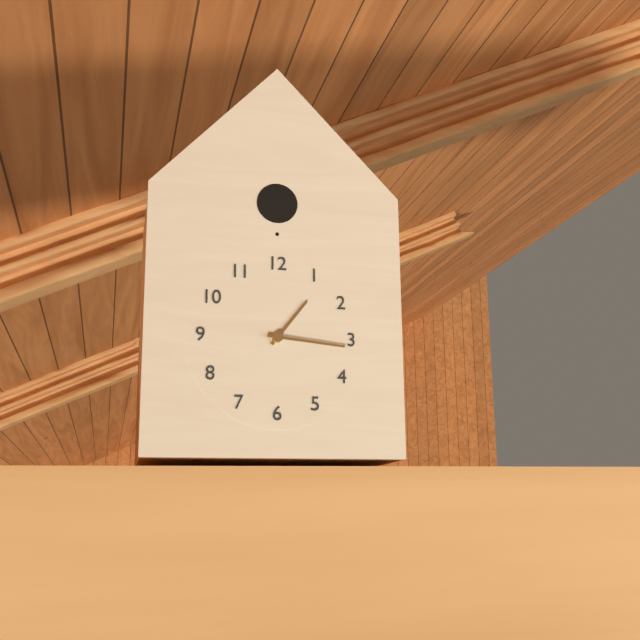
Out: 1,16
